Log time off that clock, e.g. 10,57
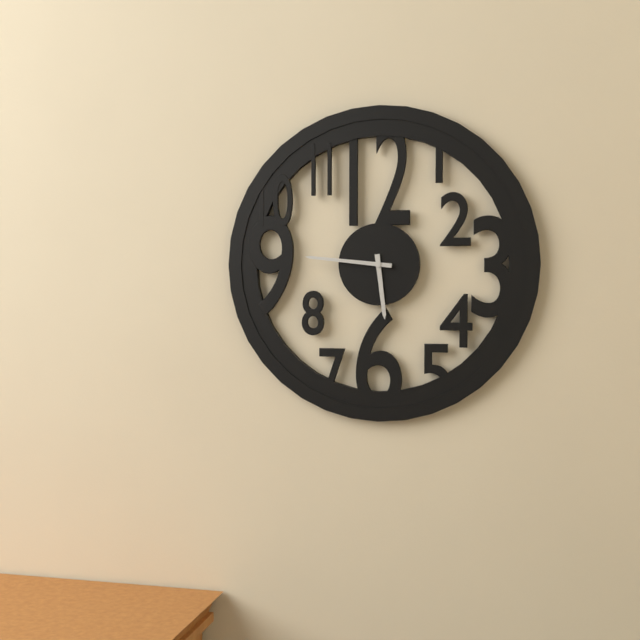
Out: 5,46
